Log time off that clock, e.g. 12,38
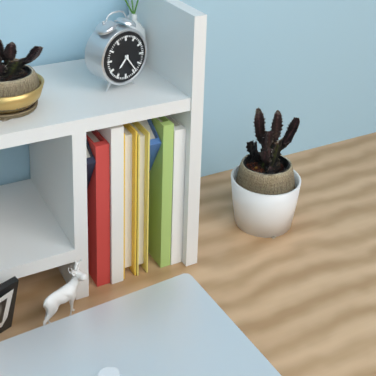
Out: 7,24
